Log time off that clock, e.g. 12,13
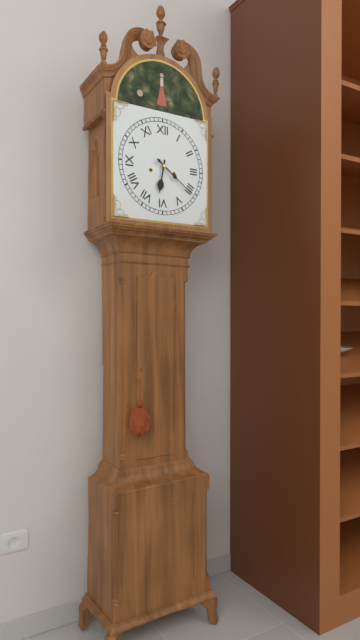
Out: 6,21
